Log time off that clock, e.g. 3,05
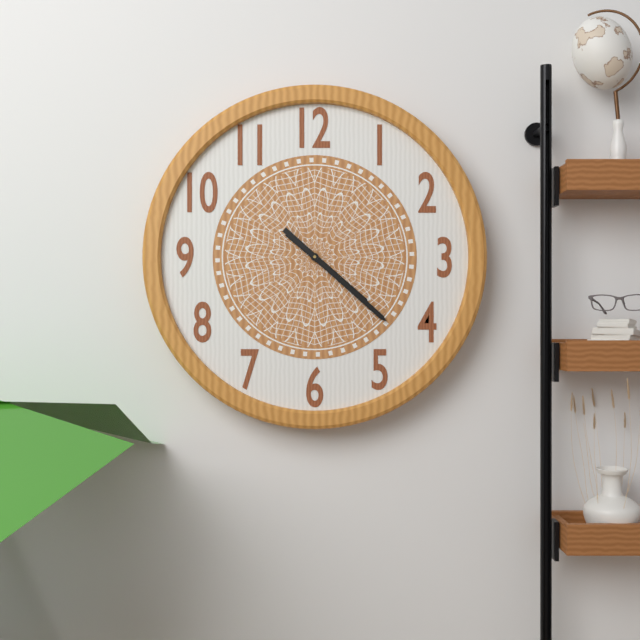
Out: 4,22
